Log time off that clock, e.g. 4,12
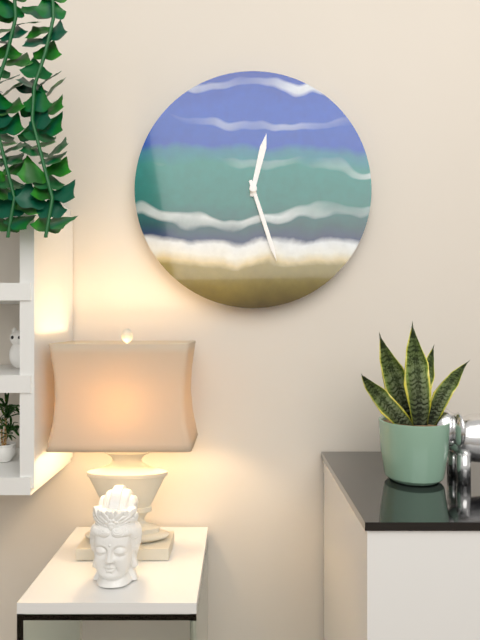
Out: 12,27
